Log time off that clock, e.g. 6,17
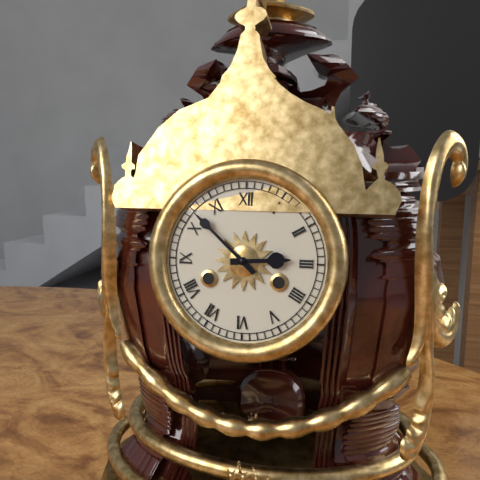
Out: 2,52
